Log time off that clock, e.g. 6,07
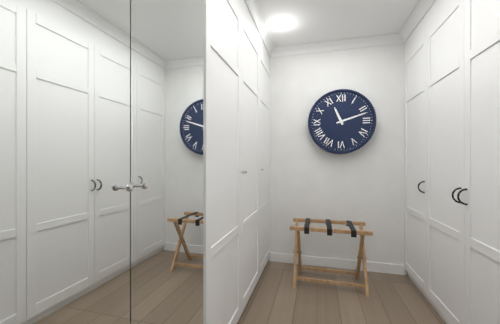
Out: 11,12
